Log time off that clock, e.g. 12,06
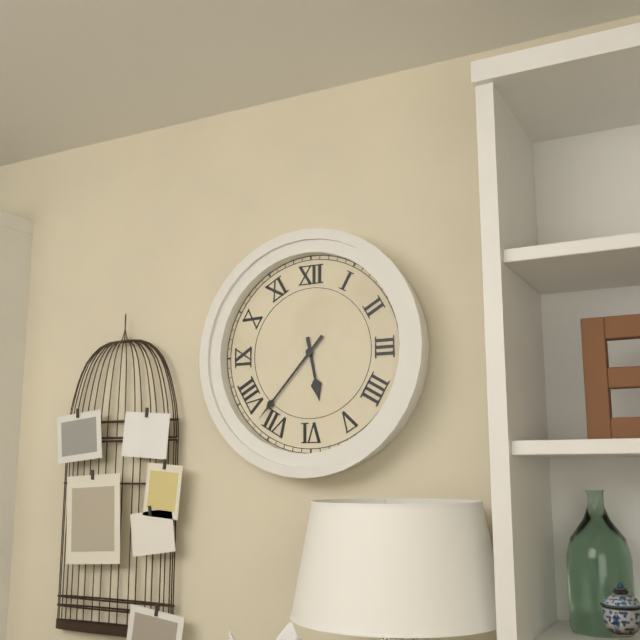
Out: 5,37
